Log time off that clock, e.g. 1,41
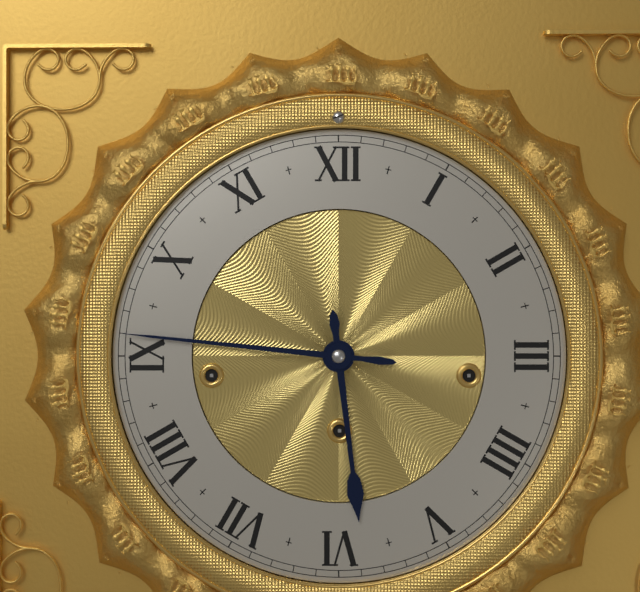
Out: 5,46
